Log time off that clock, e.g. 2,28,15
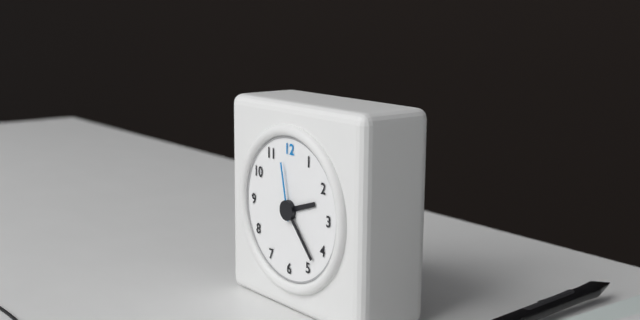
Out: 2,23,58
